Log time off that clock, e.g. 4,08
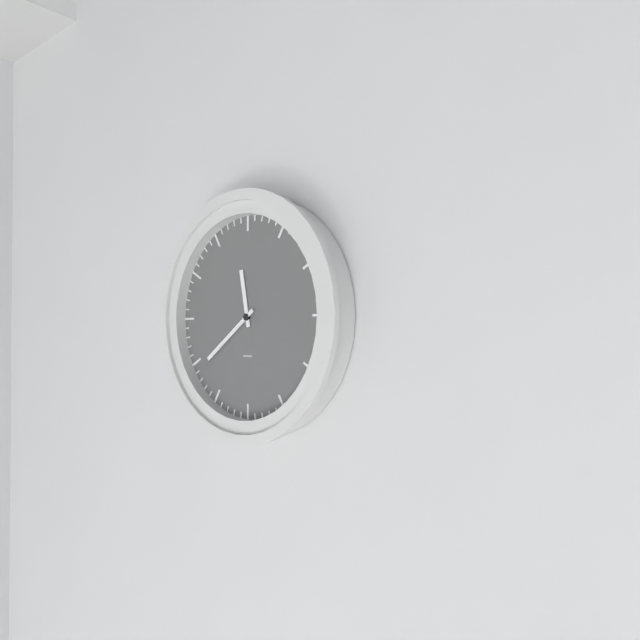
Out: 11,39
